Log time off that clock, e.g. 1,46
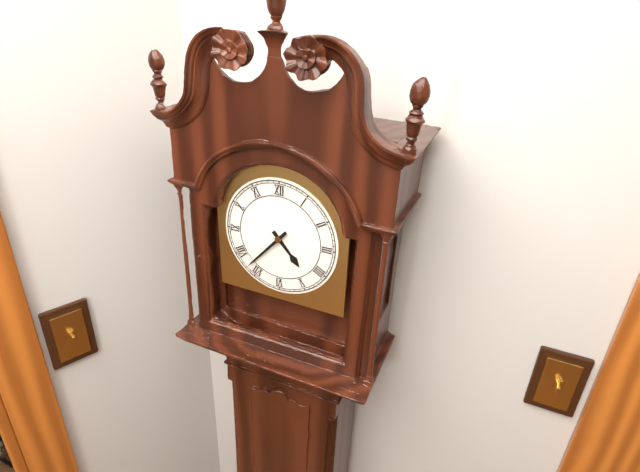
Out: 4,37
